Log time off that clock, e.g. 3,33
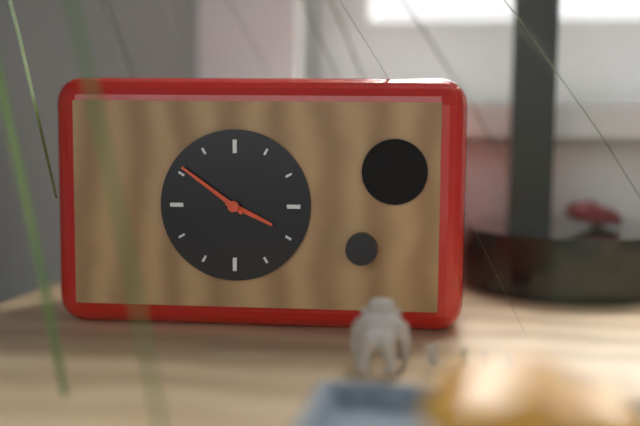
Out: 3,51
